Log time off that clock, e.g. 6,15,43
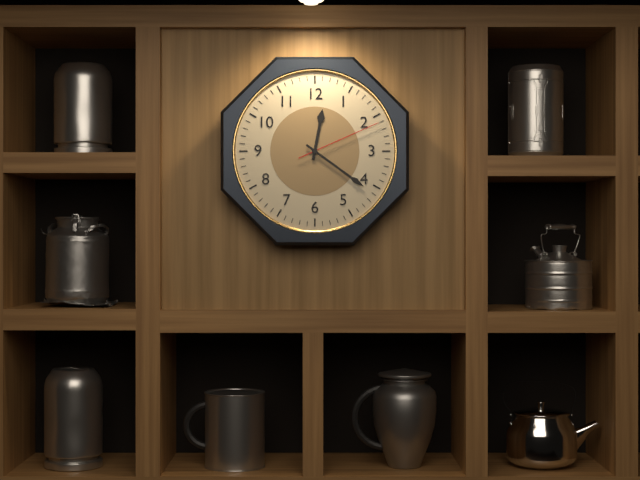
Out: 12,21,11
